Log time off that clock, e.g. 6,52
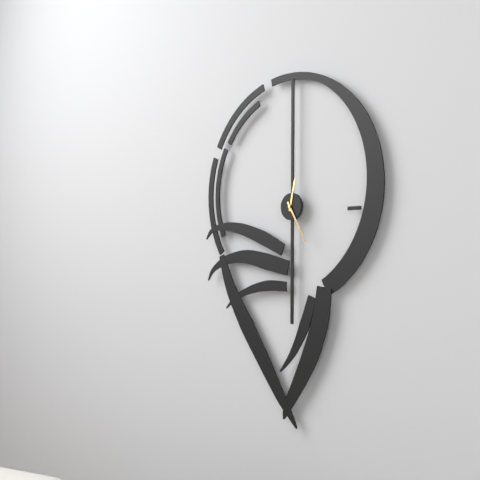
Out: 12,25
